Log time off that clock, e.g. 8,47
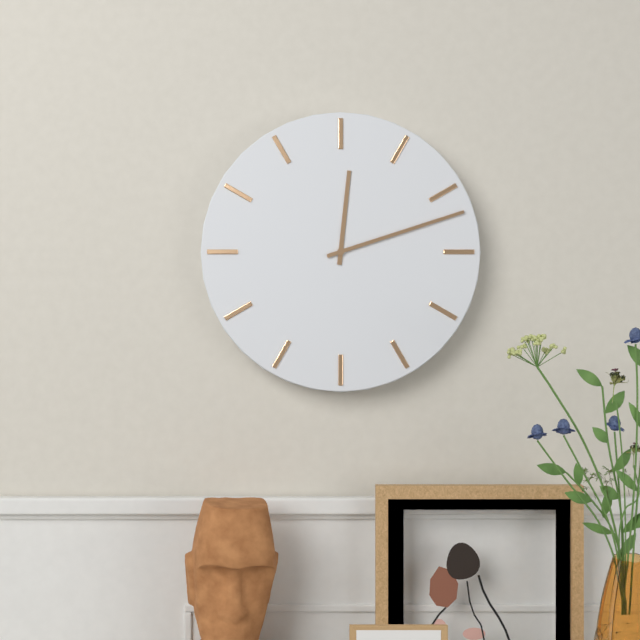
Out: 12,12
